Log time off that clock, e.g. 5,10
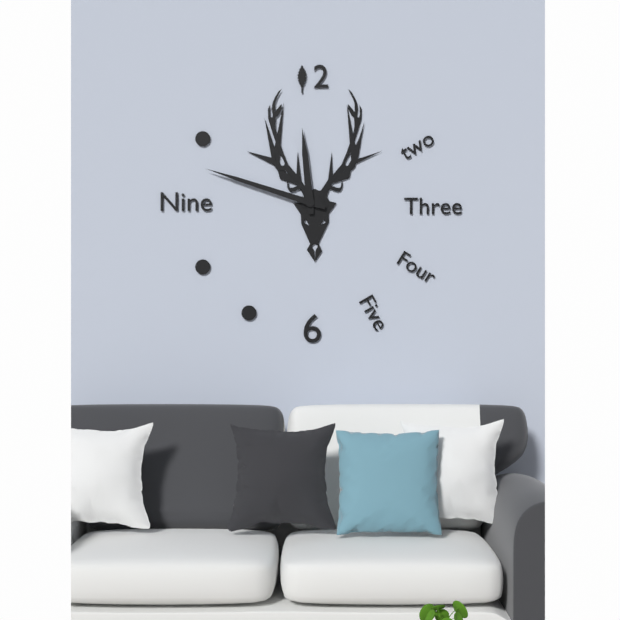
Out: 11,48
